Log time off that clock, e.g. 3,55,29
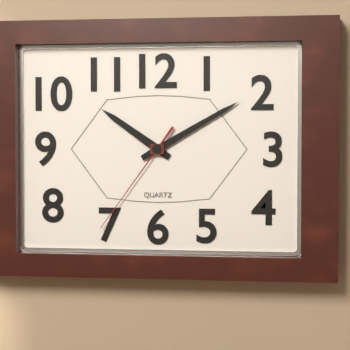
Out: 10,10,36
